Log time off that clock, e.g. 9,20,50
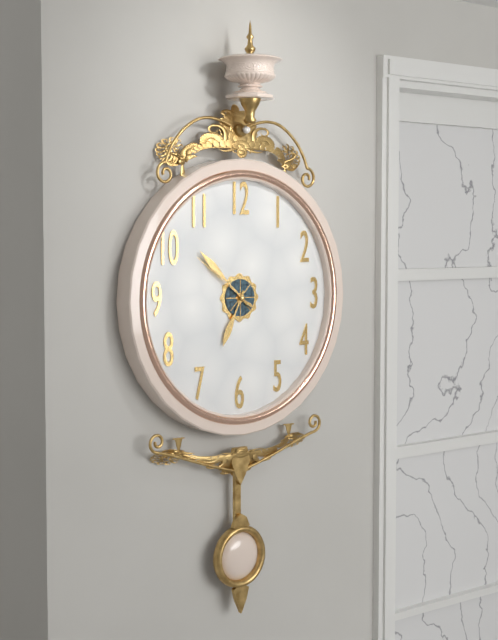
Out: 6,52,51
